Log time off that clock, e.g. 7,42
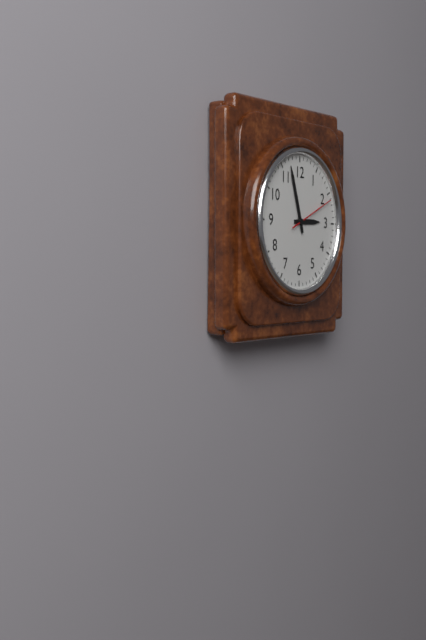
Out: 2,57
